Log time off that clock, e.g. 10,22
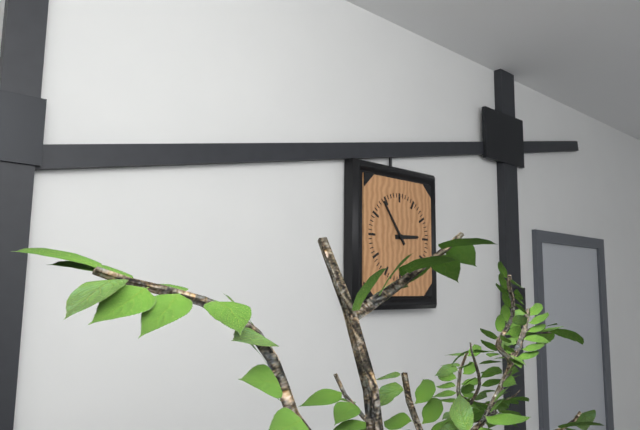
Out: 2,54
